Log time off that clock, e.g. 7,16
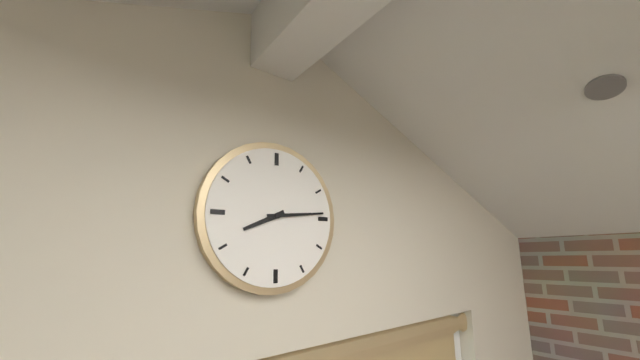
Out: 8,14
